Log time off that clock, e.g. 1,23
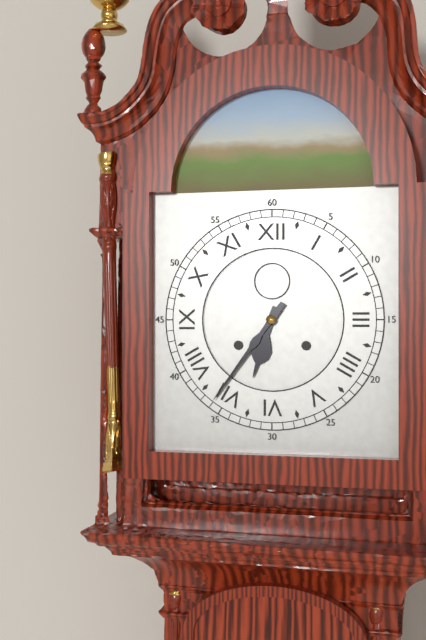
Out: 6,36
